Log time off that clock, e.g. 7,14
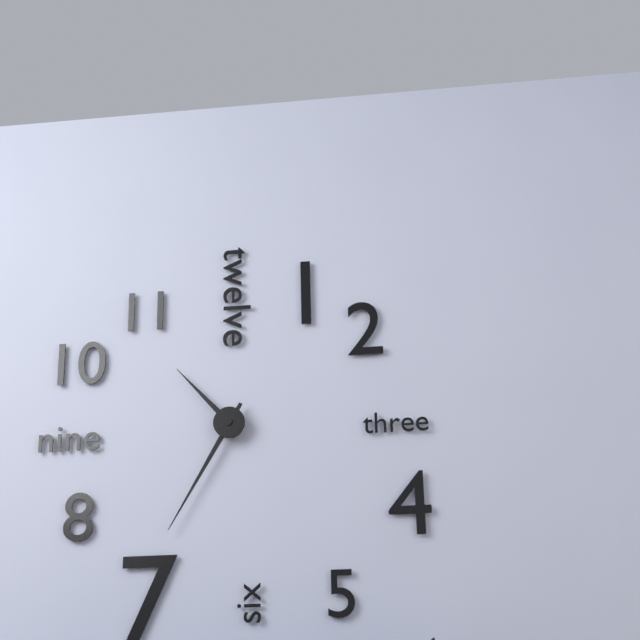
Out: 10,35
